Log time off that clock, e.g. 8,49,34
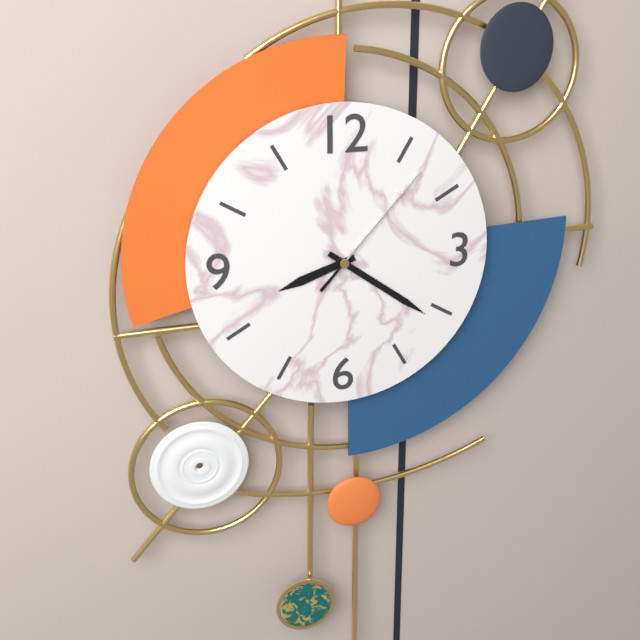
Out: 8,21,07
